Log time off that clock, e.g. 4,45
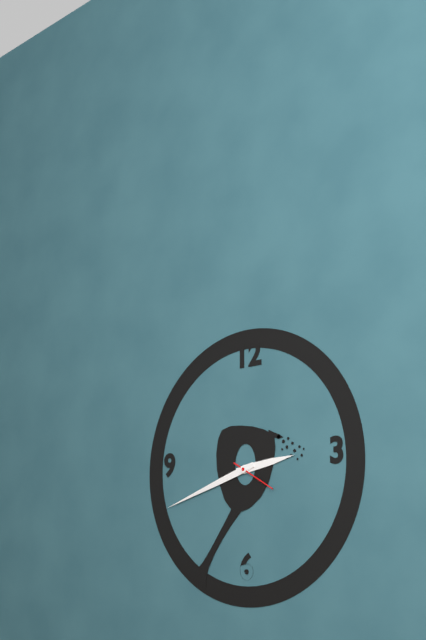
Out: 2,42
